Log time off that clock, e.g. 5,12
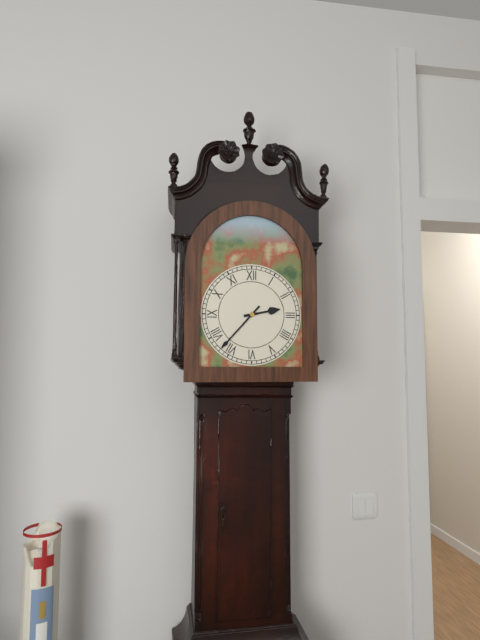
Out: 2,37
